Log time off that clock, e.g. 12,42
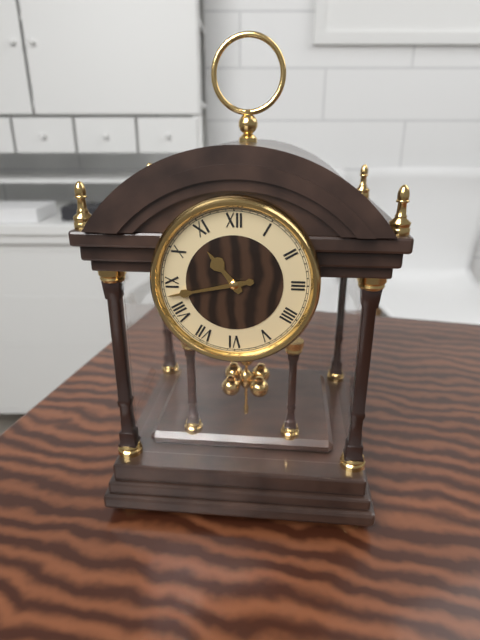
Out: 10,43
